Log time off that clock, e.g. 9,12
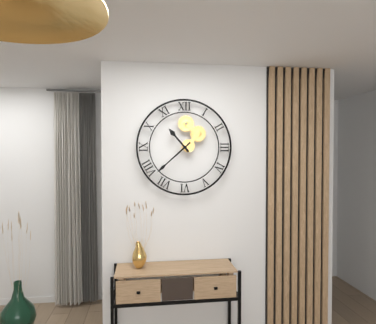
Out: 10,38
